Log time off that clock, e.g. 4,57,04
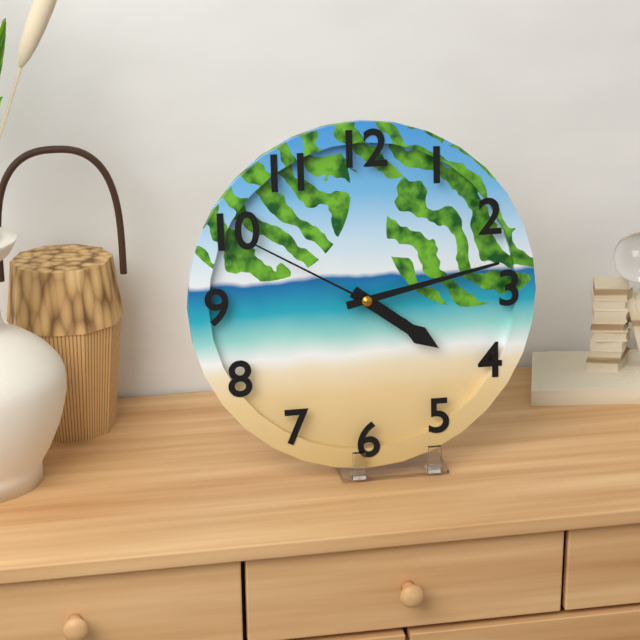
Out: 4,13,50
